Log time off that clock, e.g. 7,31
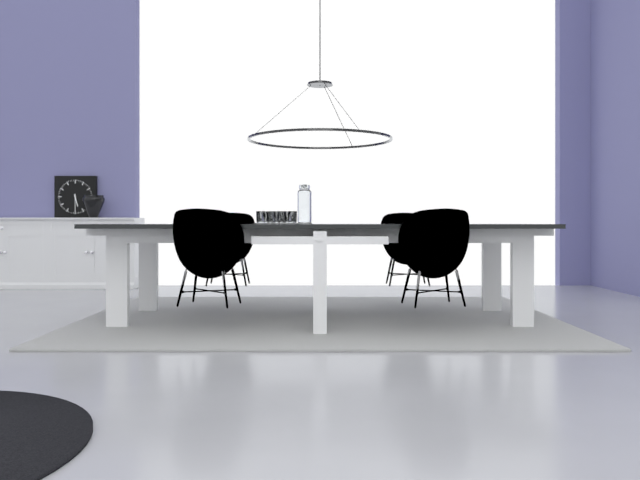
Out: 5,30
